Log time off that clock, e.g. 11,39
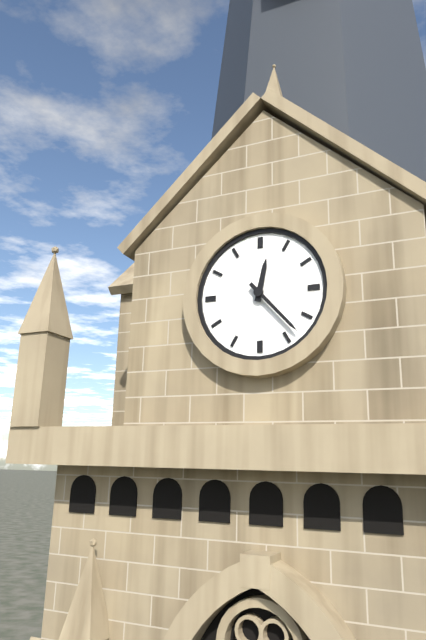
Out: 12,23
